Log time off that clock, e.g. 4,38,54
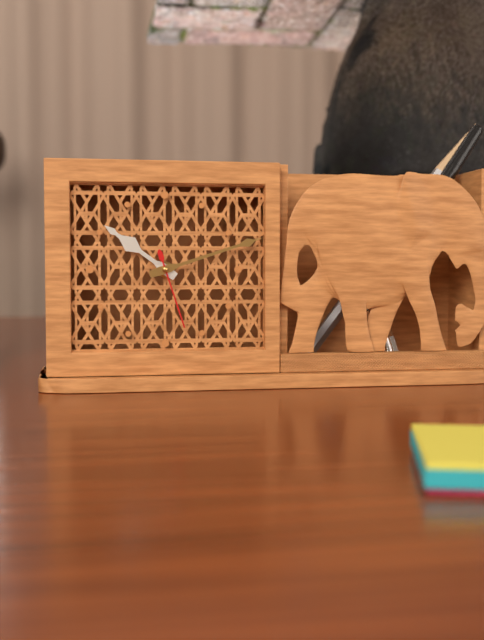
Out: 10,12,27
